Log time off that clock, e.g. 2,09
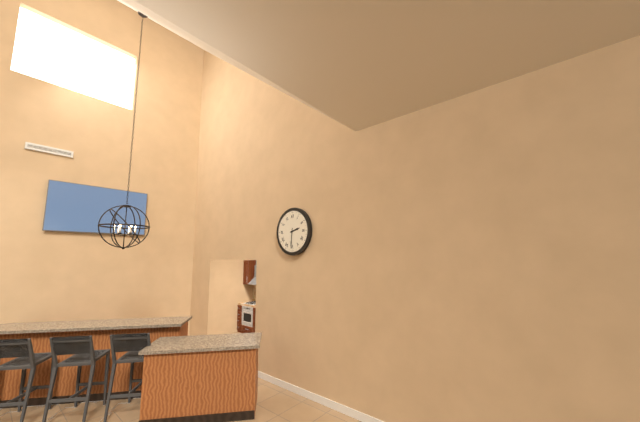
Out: 2,31
